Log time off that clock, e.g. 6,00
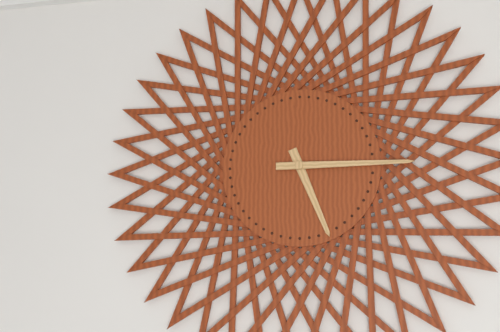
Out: 5,15
